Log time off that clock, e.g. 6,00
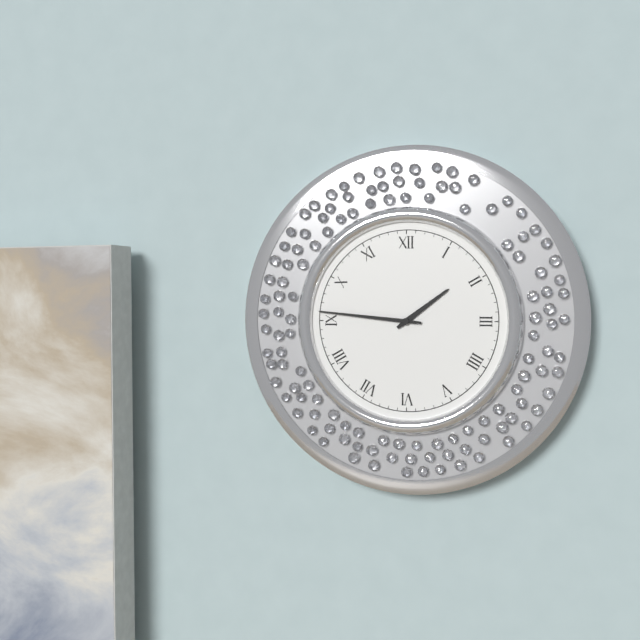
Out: 1,46
